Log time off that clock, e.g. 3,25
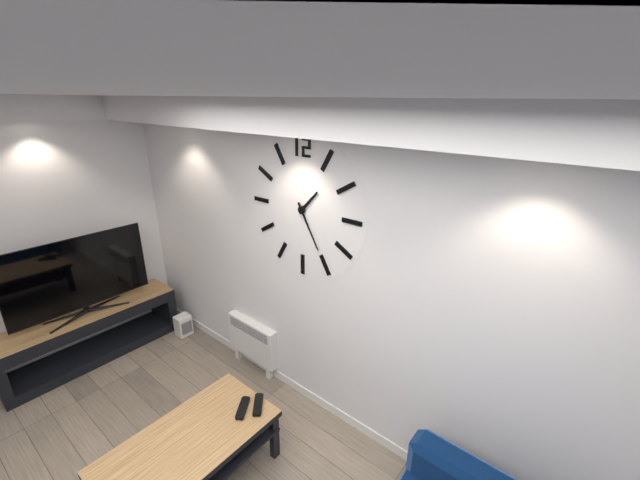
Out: 1,25
